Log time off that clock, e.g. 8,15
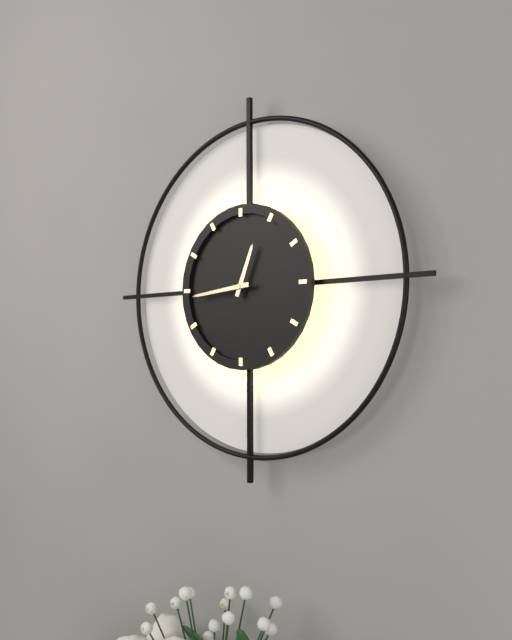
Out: 12,44
